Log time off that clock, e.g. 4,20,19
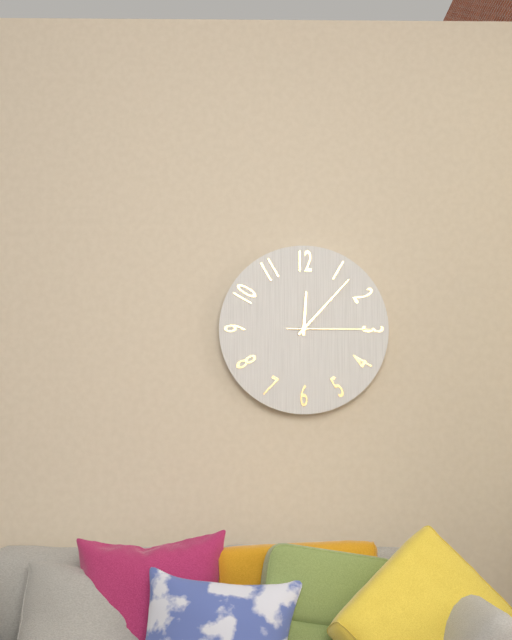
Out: 12,07,15
